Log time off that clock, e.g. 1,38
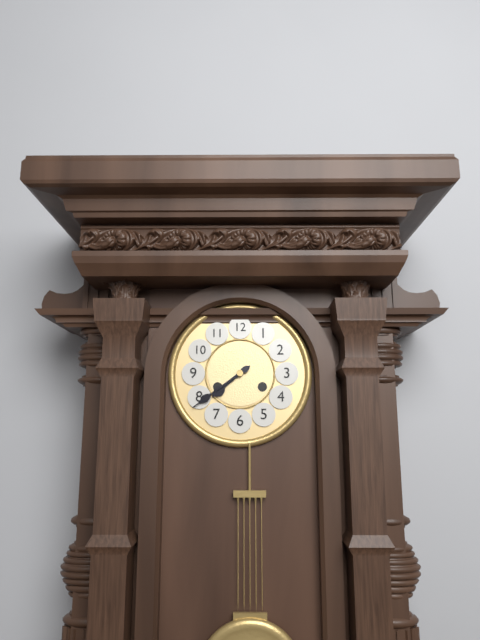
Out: 7,39
